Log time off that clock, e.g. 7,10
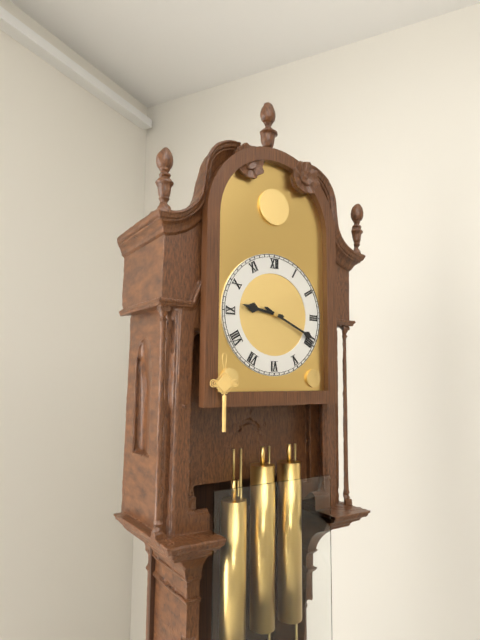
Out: 9,19
